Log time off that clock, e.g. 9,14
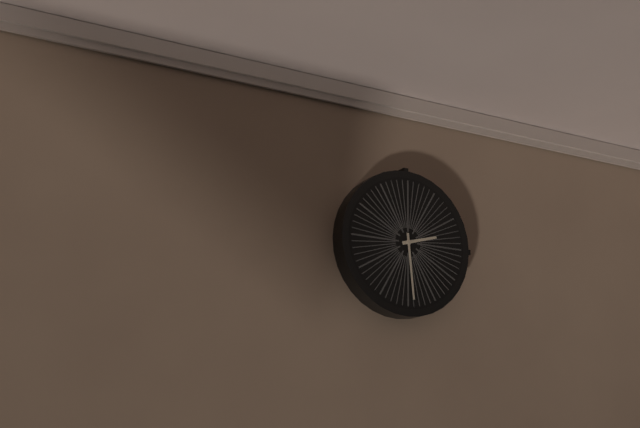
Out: 2,29
